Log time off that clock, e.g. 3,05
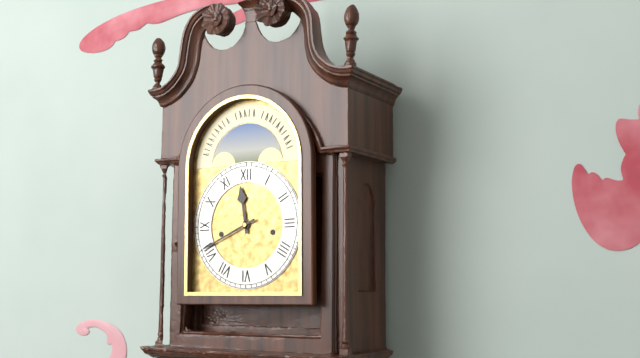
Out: 11,41
